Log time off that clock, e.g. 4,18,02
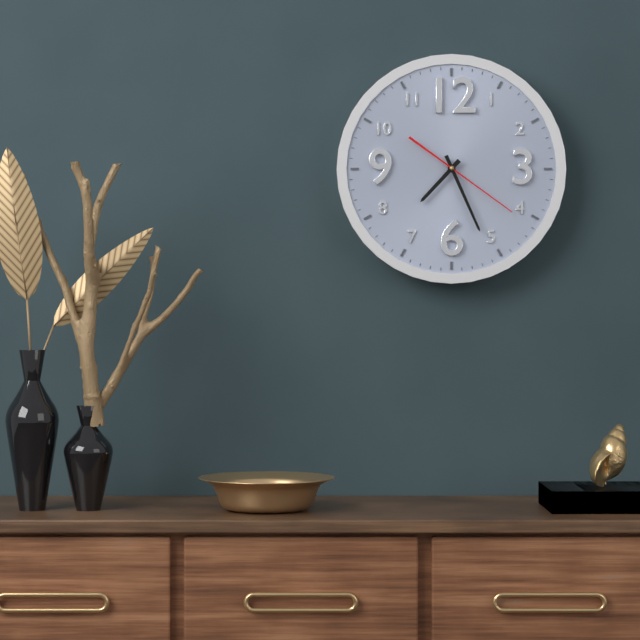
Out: 7,26,21
